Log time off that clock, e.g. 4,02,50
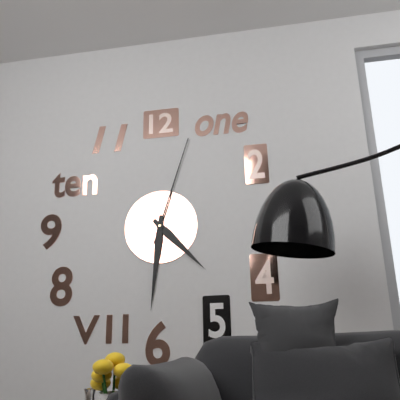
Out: 4,31,03
